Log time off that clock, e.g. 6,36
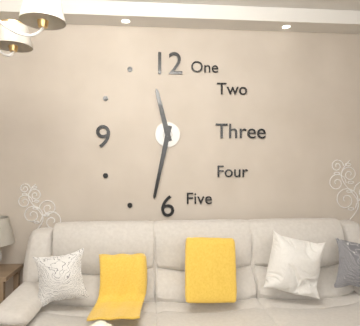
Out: 11,32
